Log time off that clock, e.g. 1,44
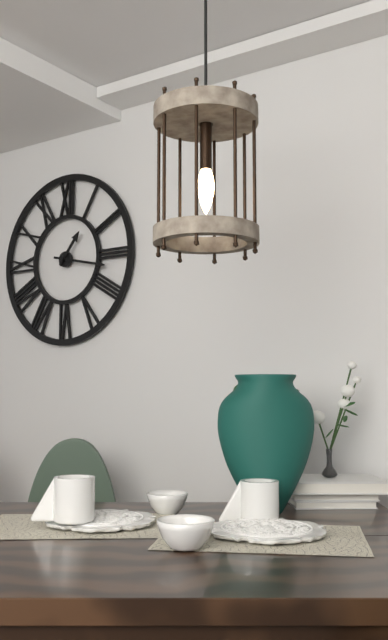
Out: 1,17
